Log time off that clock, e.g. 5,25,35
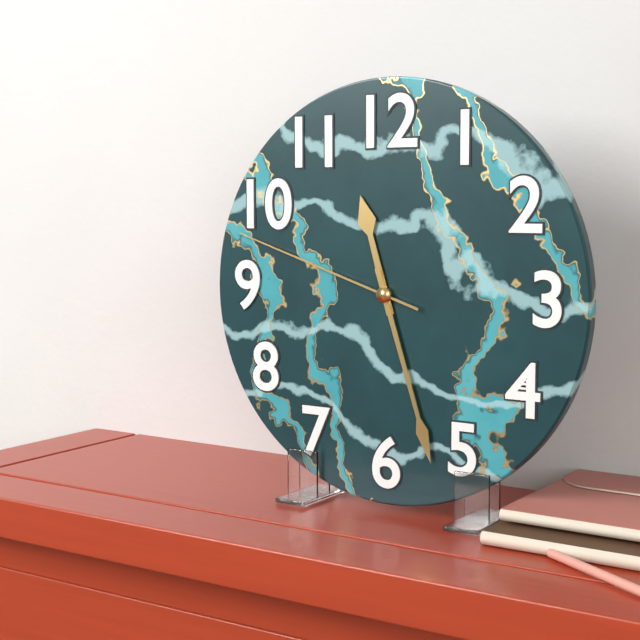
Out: 11,27,48
